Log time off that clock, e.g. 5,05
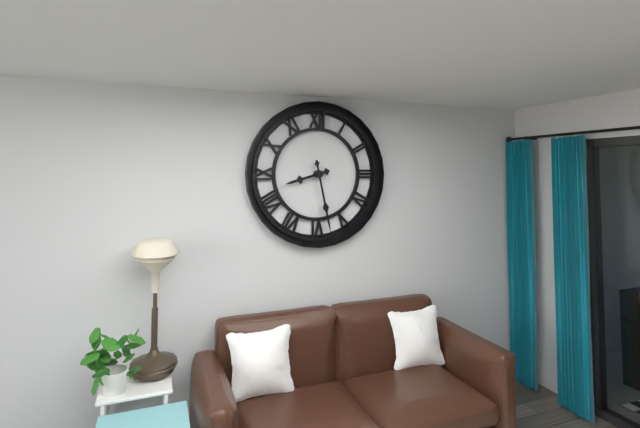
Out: 8,28
